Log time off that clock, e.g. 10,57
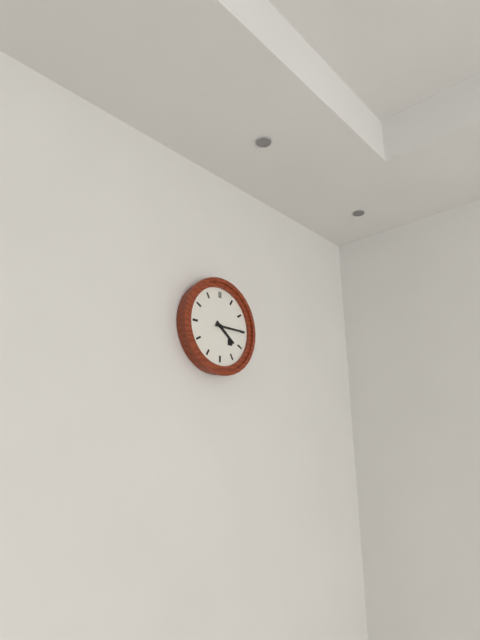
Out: 4,15
